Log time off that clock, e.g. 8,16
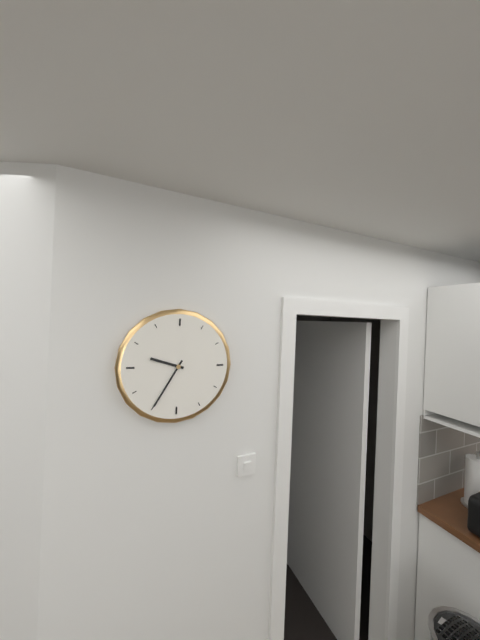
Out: 9,35
